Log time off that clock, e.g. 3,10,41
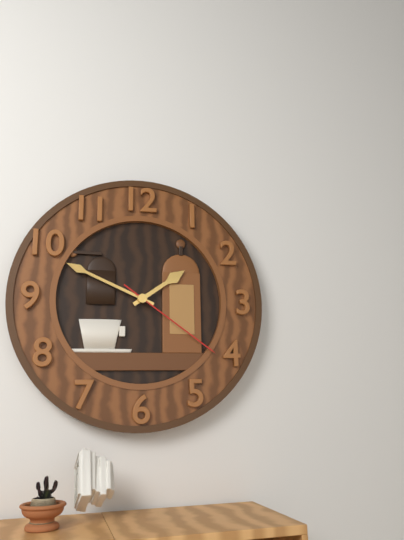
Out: 1,49,21
